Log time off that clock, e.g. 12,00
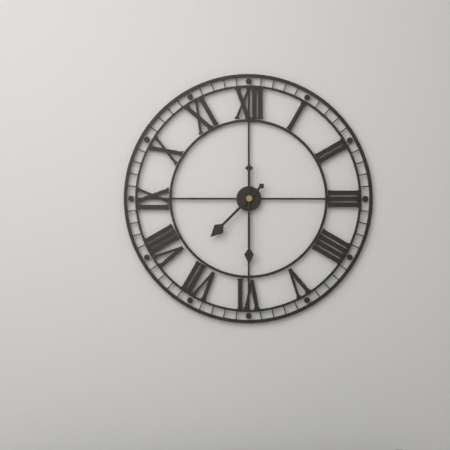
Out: 7,30
